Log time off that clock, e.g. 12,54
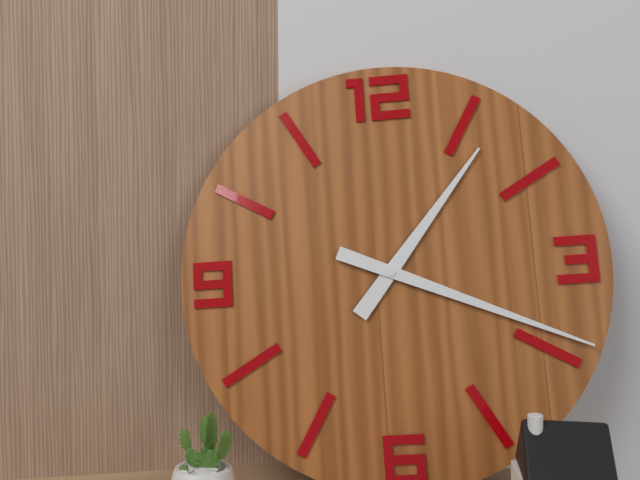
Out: 1,19
